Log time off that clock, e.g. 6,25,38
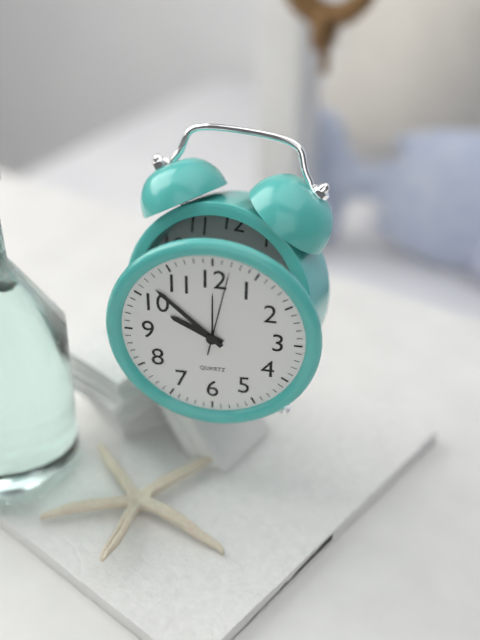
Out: 9,52,02
